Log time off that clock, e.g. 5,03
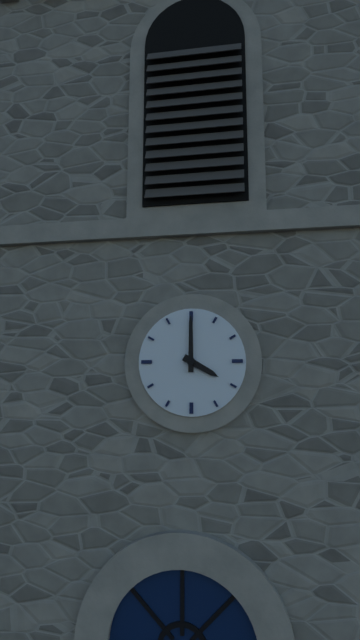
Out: 4,00
